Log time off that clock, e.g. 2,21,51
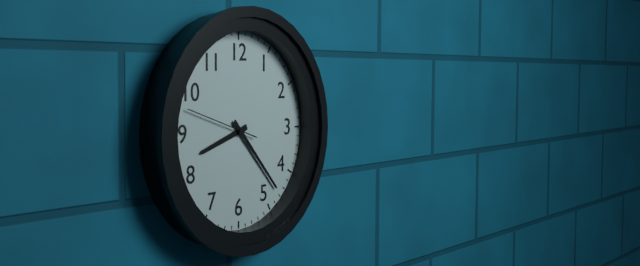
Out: 8,23,48
